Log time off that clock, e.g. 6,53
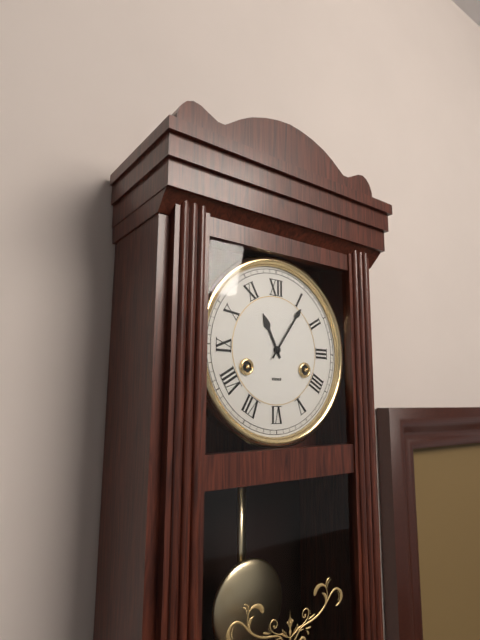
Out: 11,06
